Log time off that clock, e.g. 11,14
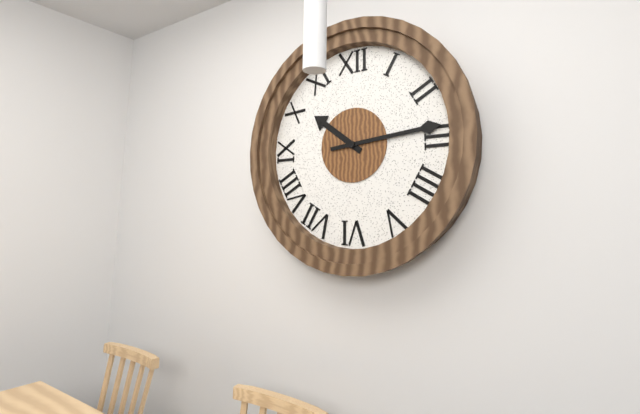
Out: 10,14
